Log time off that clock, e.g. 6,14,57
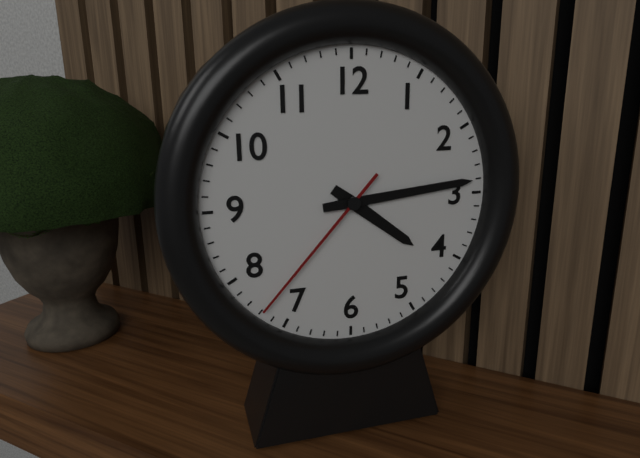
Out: 4,14,37
